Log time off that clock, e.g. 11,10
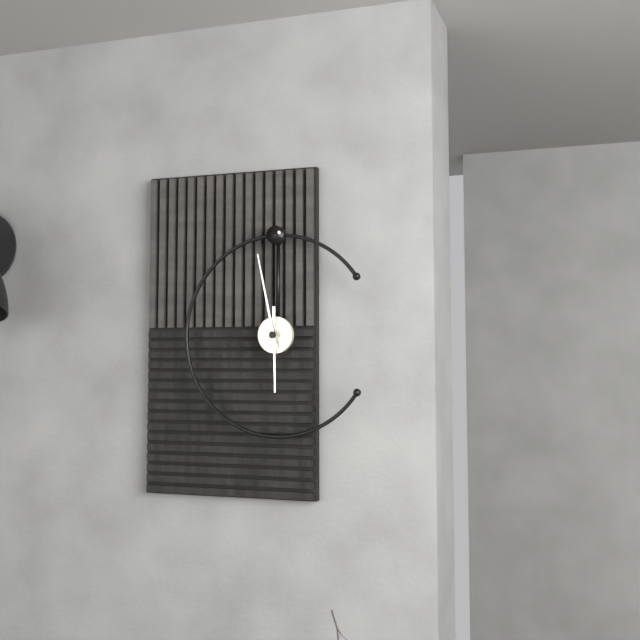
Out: 5,58
